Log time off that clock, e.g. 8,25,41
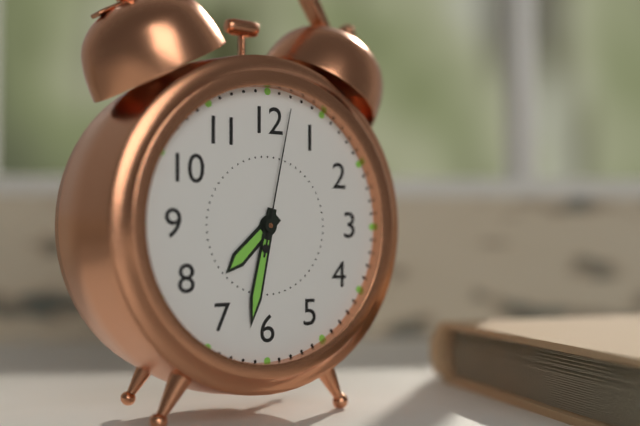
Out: 7,32,02
